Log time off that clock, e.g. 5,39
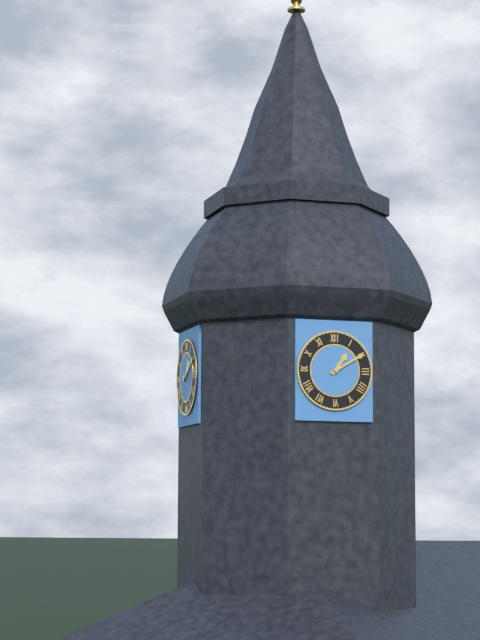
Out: 1,10
